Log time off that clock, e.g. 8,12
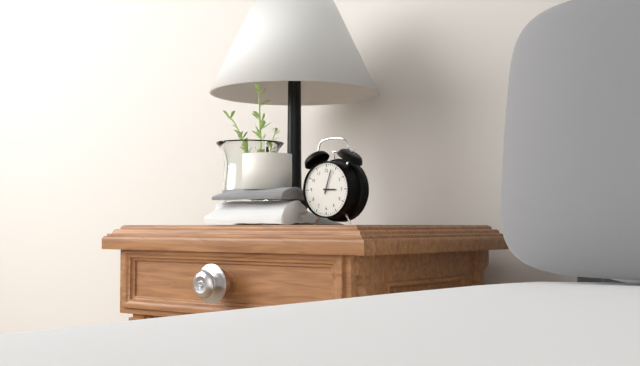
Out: 3,03
